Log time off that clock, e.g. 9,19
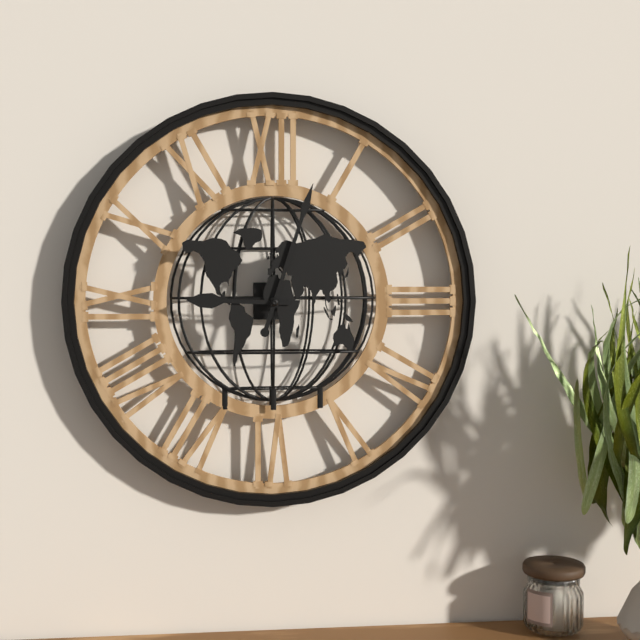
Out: 9,03
